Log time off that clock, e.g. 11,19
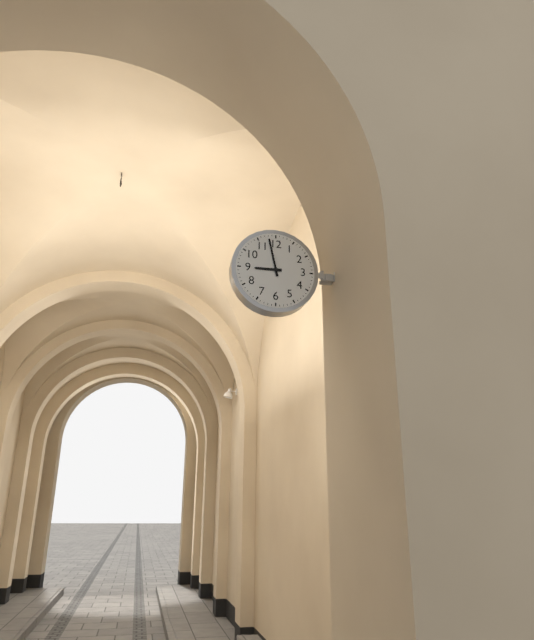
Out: 8,58
